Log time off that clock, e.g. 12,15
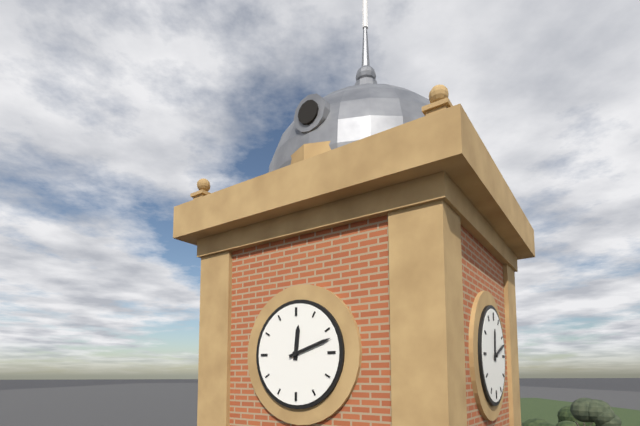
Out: 12,12
